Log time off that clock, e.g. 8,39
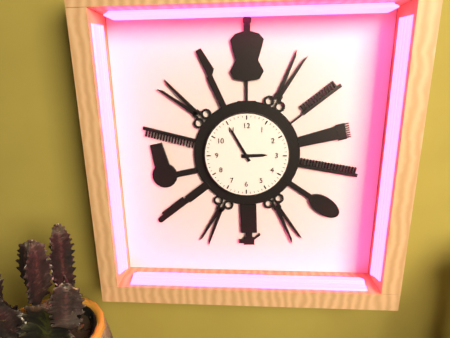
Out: 2,55
